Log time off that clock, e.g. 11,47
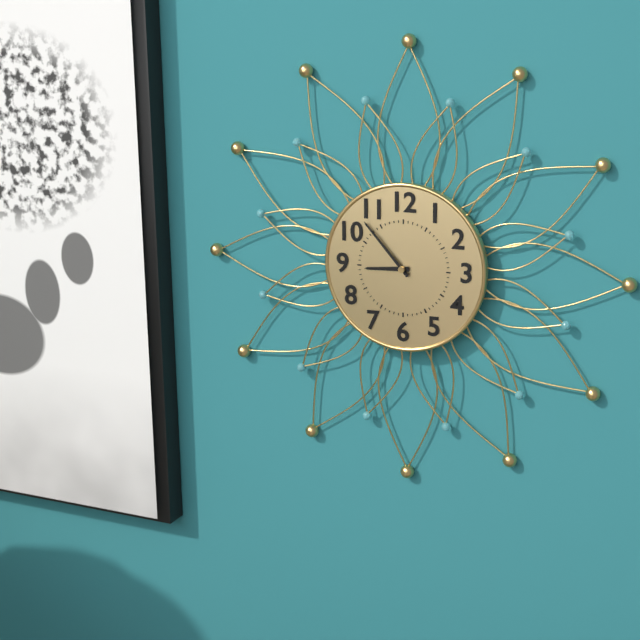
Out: 8,53
